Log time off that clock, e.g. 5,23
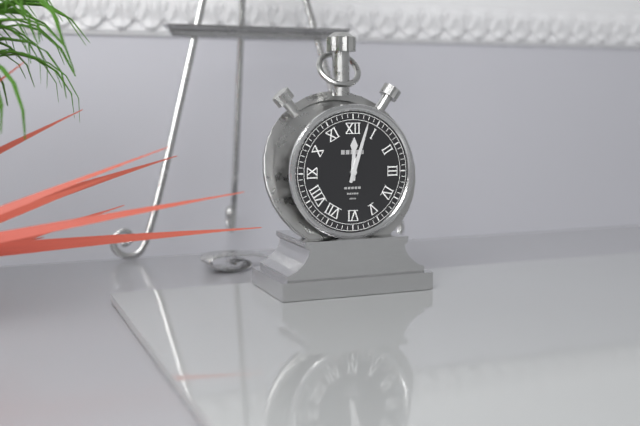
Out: 12,03
